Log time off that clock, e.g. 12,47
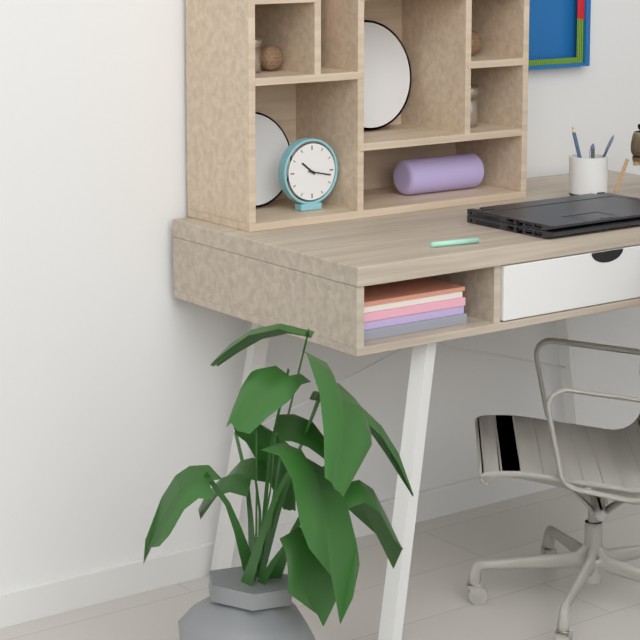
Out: 10,17
